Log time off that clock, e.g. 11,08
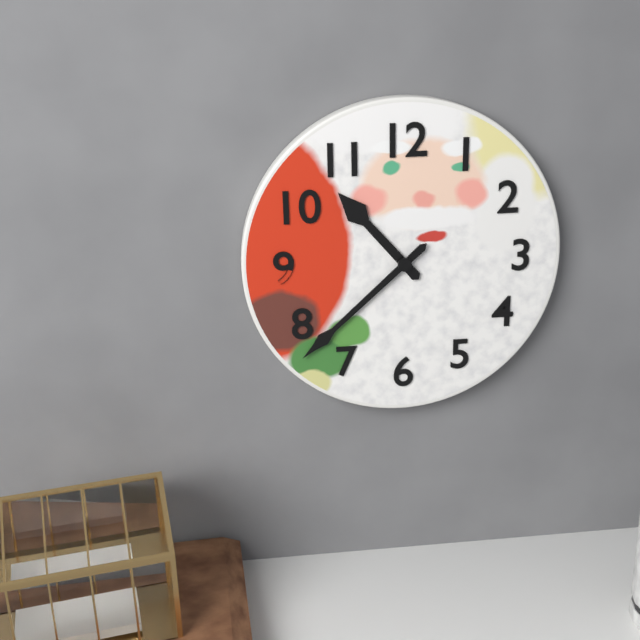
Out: 10,38
